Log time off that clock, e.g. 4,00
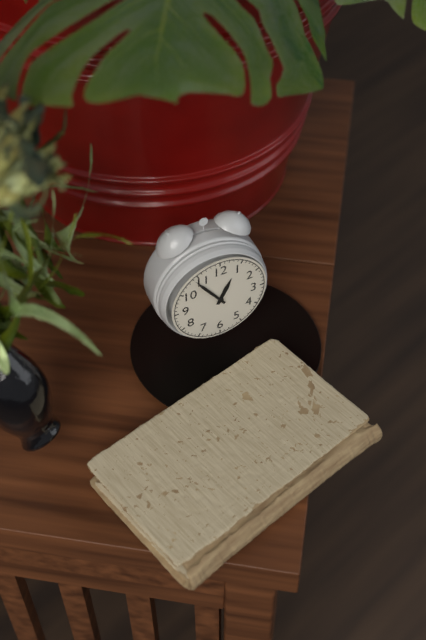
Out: 12,54
